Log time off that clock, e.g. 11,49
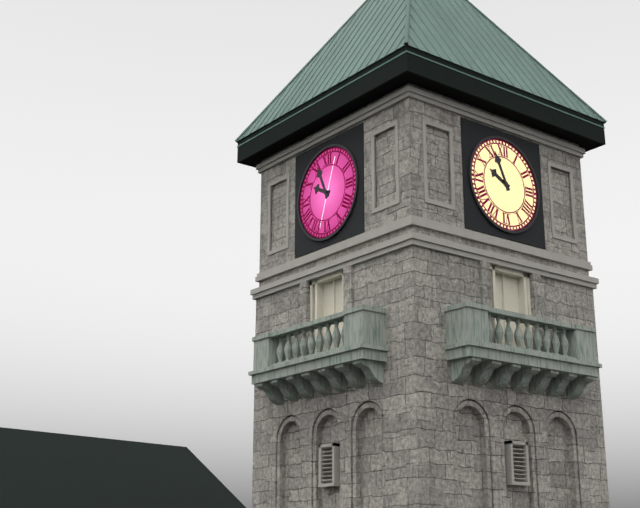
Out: 9,56
